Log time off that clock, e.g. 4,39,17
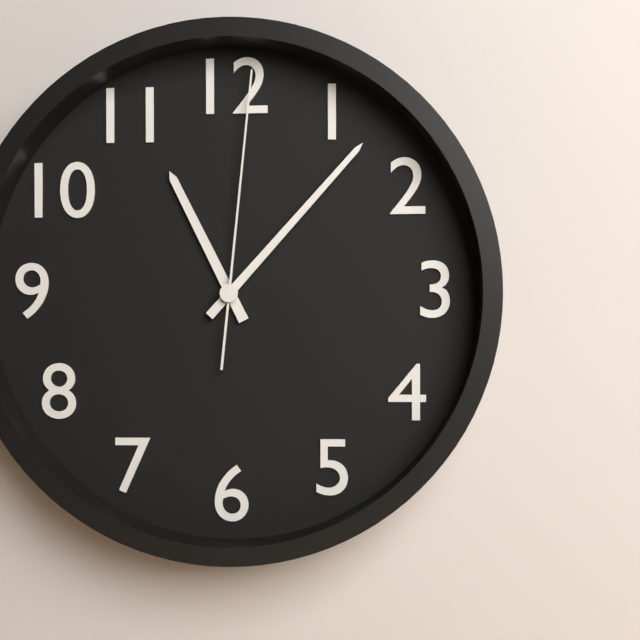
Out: 11,07,01
